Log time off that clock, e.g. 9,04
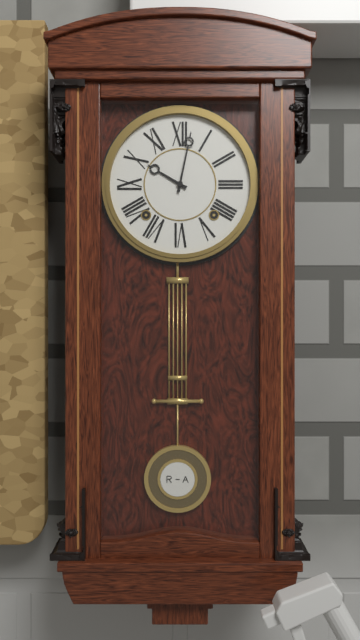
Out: 10,02
